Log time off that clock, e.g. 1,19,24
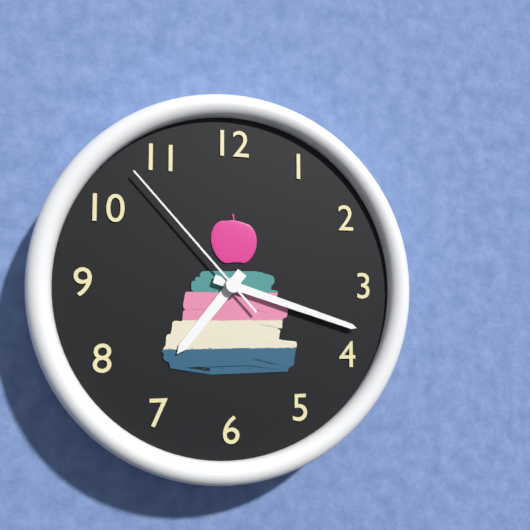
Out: 7,18,53
